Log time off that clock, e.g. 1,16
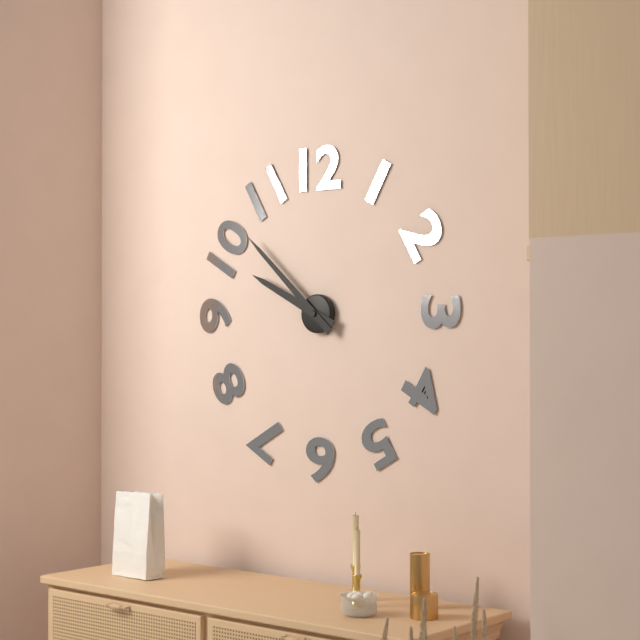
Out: 9,52
